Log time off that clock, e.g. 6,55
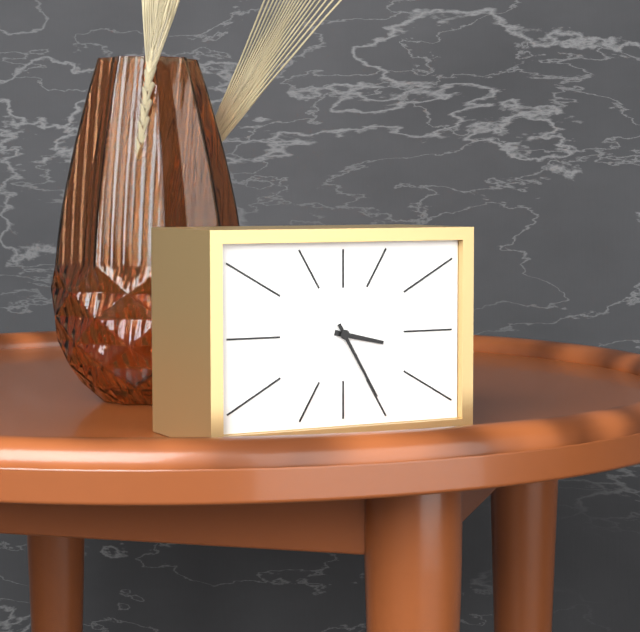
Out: 3,25
